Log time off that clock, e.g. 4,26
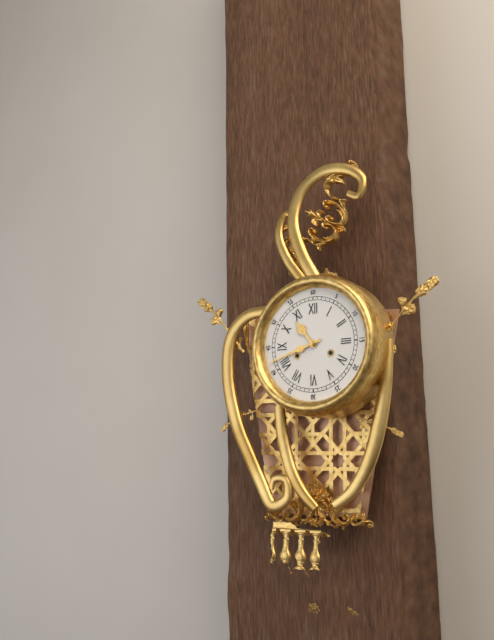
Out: 10,42
